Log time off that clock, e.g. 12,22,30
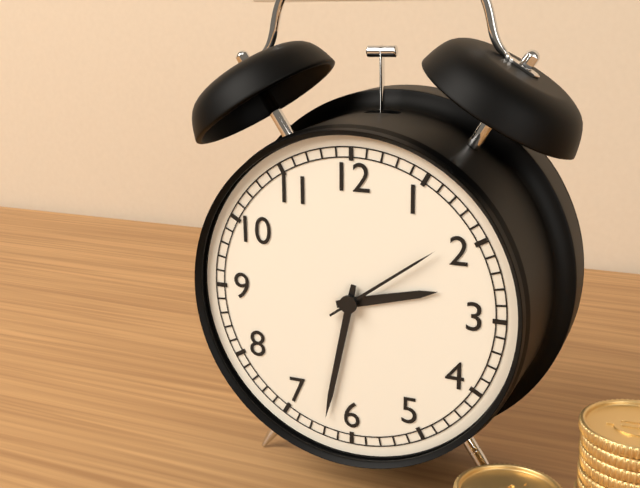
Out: 2,32,09
